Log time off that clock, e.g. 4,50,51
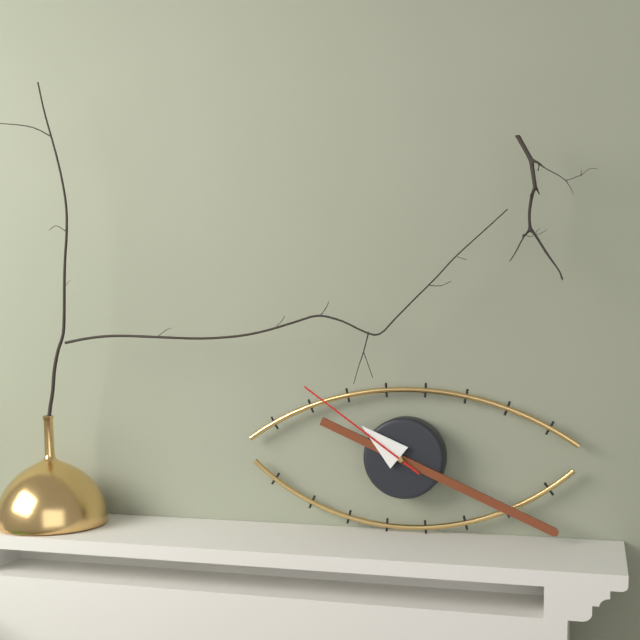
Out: 10,19,51
